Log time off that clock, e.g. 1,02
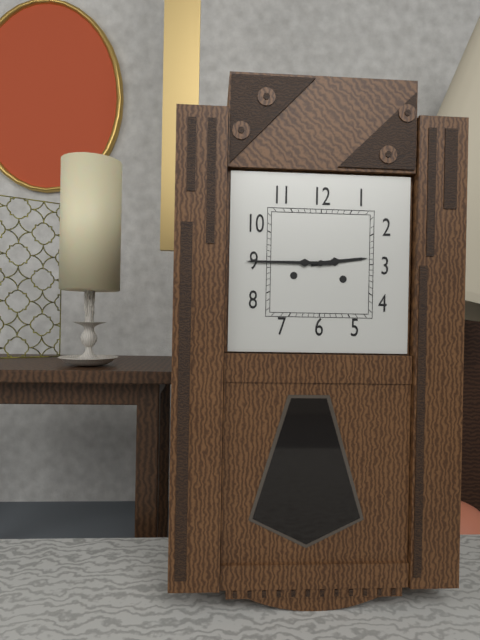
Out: 2,45
